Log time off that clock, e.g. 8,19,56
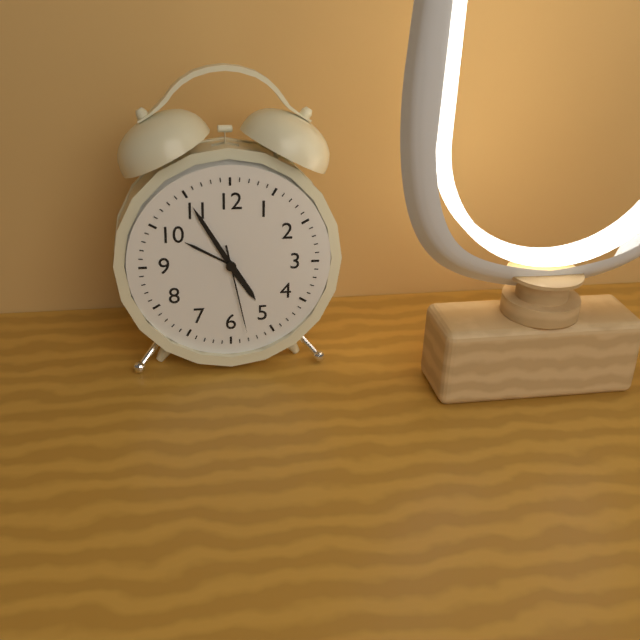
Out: 4,55,28
